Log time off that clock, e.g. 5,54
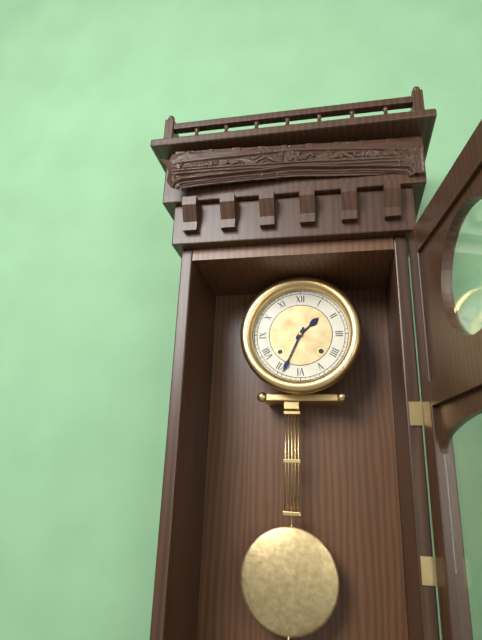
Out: 1,34
